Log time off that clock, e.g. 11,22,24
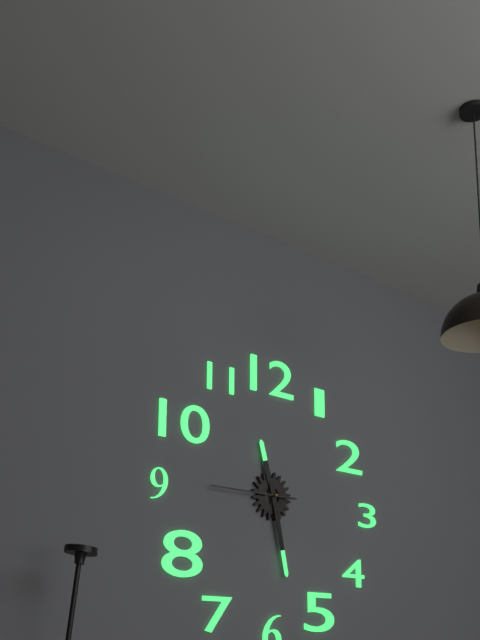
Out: 11,28,45
